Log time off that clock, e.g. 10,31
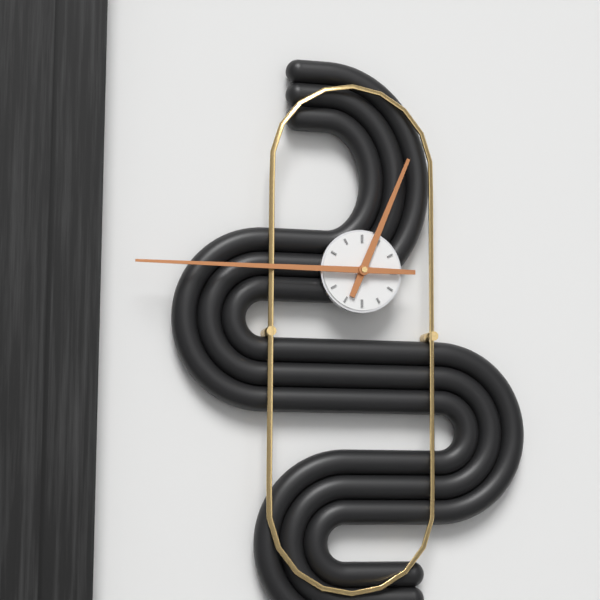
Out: 12,45
